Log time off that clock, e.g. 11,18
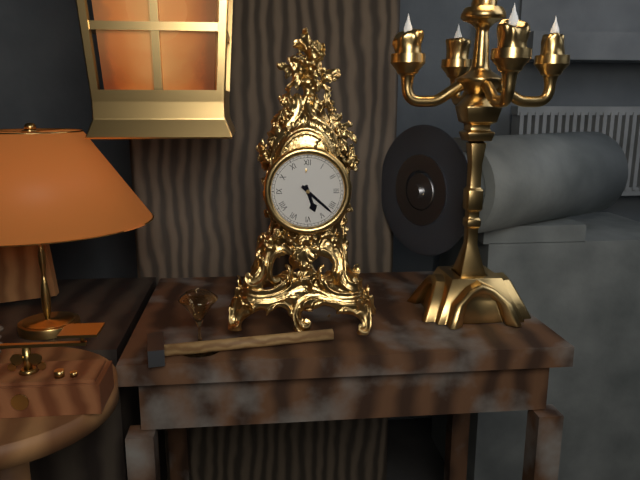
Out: 5,22
